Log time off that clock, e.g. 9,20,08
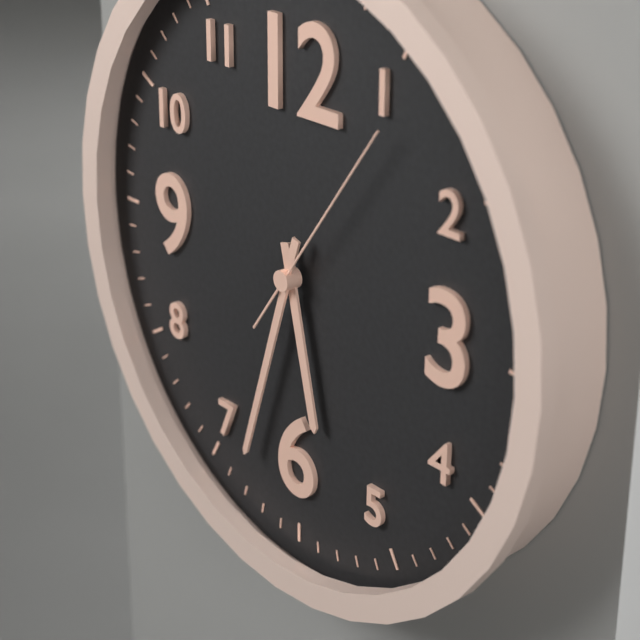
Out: 5,33,06
